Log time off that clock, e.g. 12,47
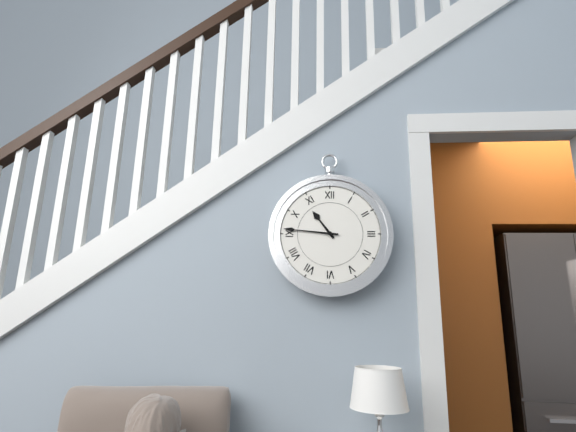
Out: 10,46
